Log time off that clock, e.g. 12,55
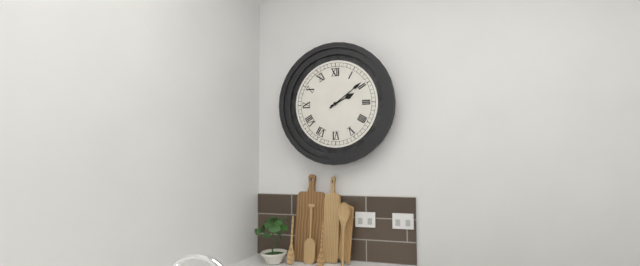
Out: 2,09
